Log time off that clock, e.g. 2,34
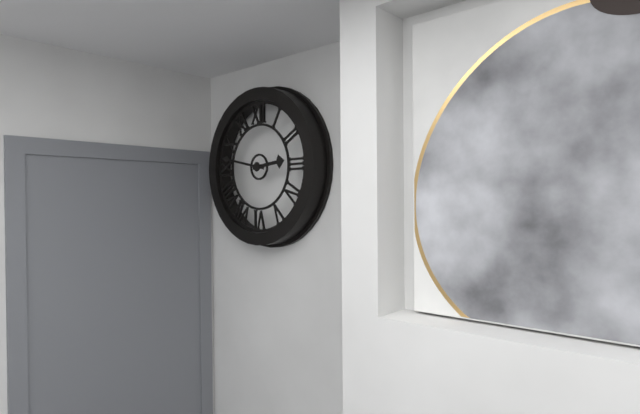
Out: 2,47
